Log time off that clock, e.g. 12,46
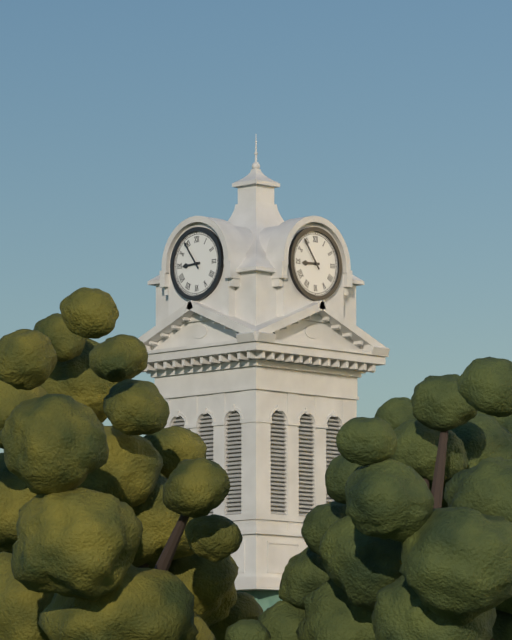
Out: 8,54
